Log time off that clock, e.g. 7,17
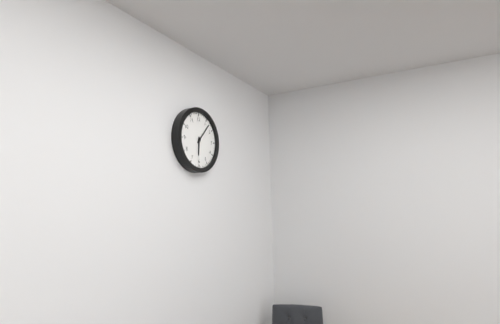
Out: 6,07
